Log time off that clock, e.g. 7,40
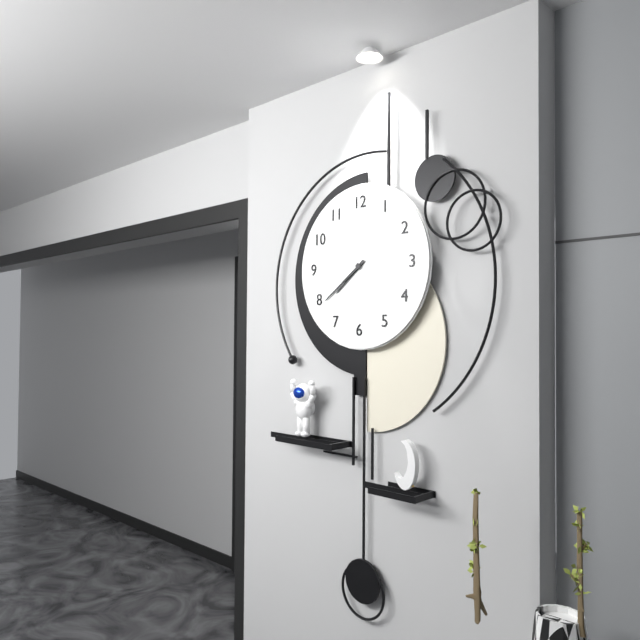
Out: 7,39
